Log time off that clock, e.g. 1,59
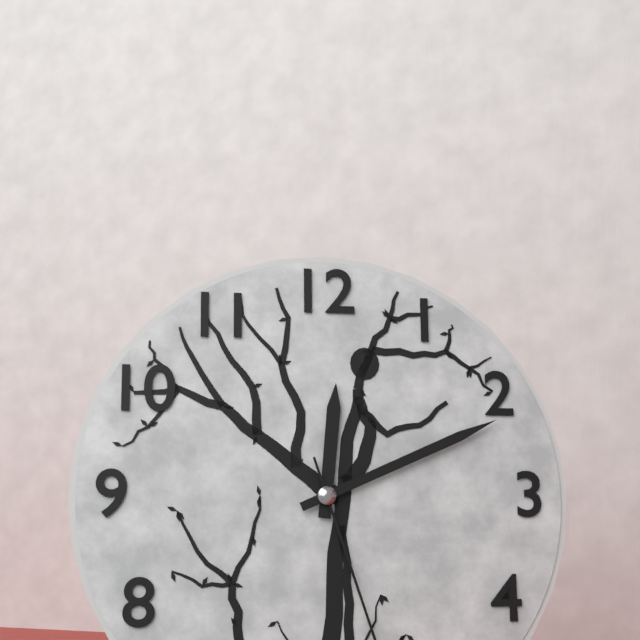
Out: 12,11
